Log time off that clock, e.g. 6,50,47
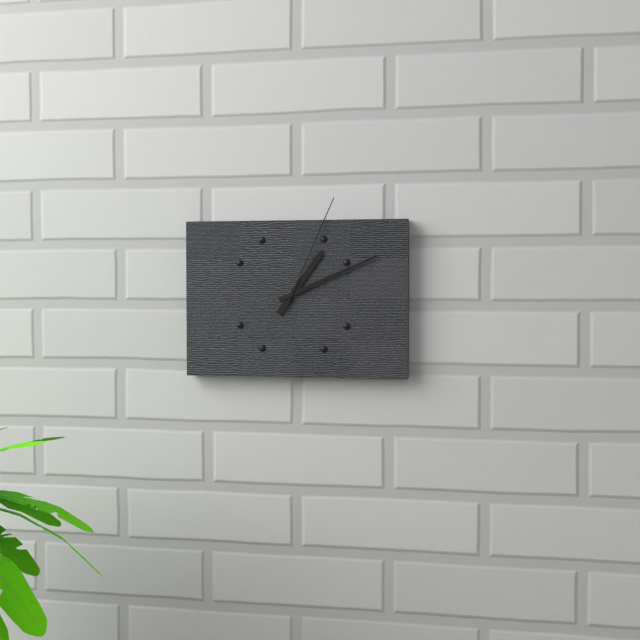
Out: 1,11,04
